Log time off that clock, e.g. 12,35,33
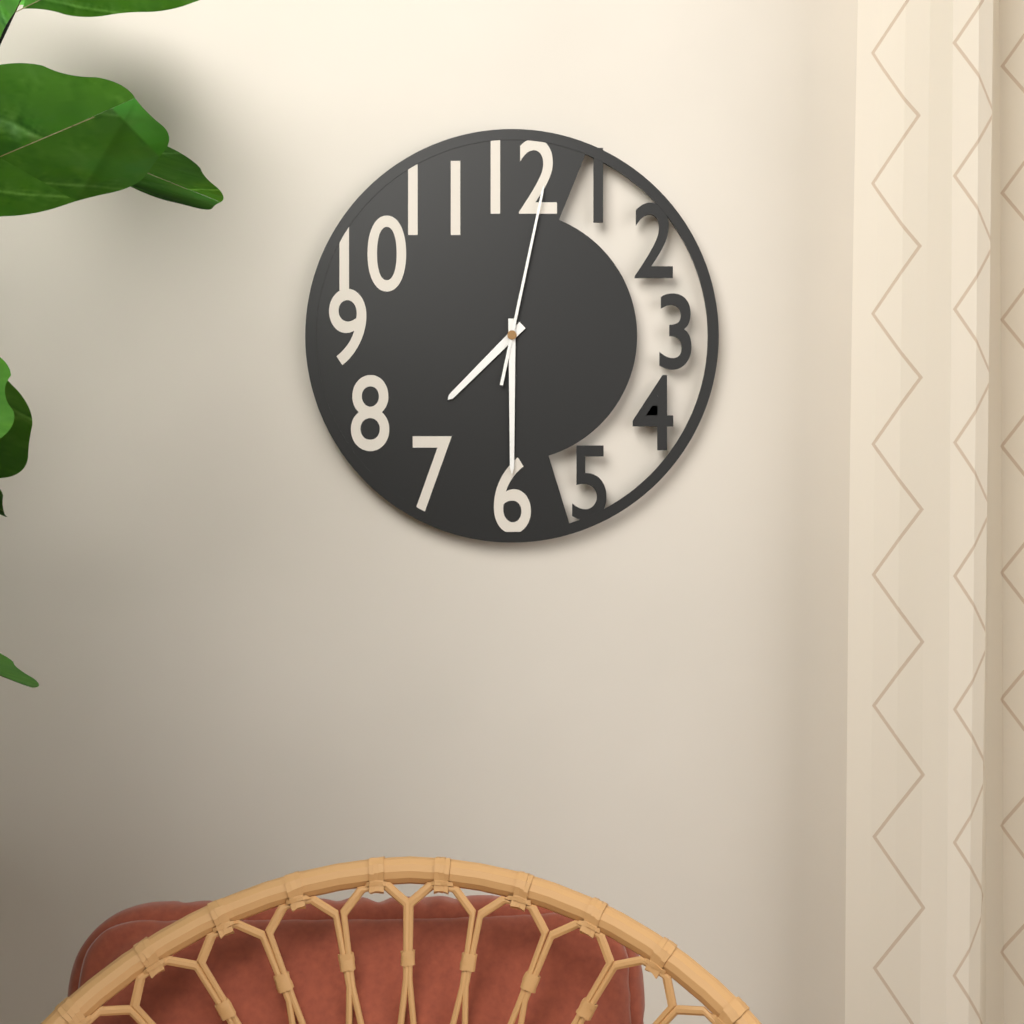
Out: 7,30,02
